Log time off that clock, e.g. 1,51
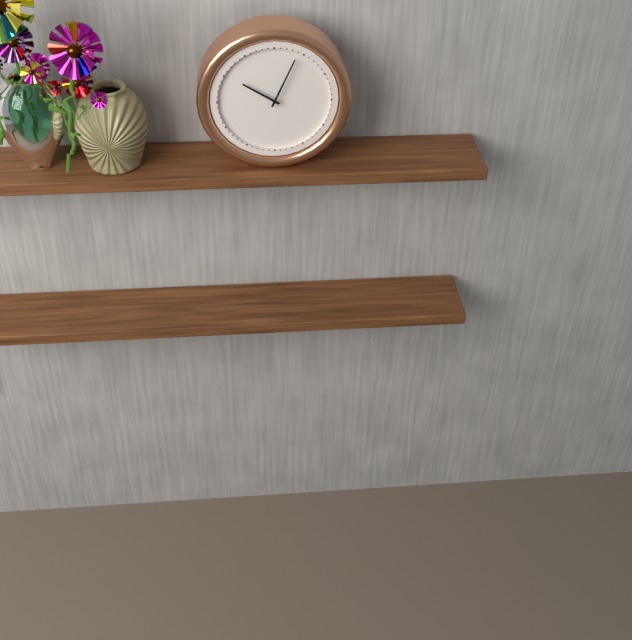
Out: 10,04
